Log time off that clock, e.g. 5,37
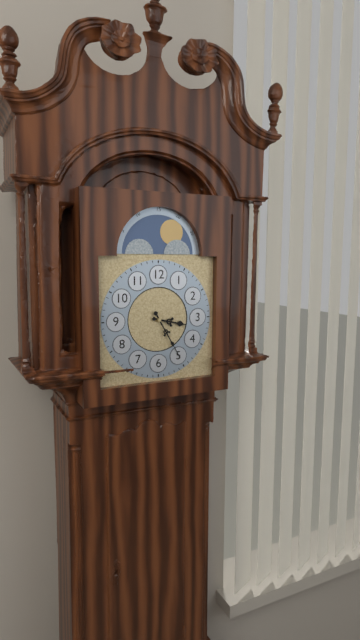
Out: 3,25
